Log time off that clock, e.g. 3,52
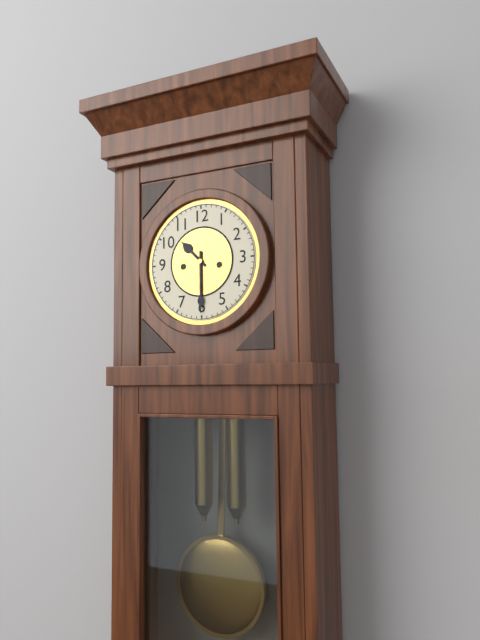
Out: 10,30
